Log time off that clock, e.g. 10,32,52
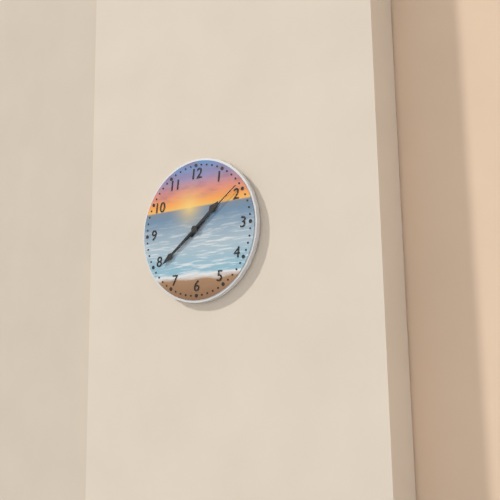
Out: 1,39,09
